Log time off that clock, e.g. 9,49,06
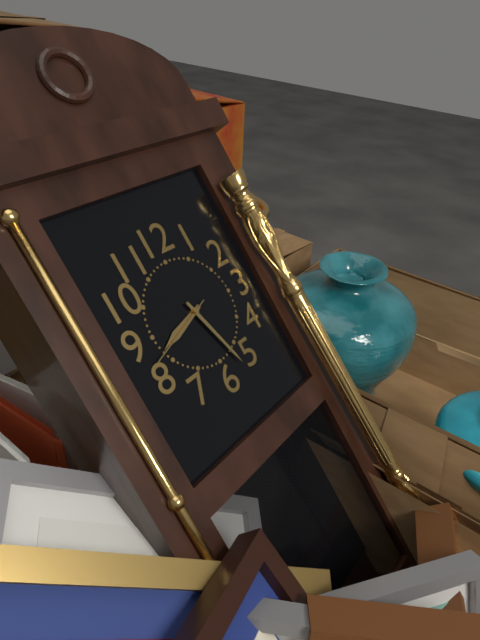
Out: 8,27,42
